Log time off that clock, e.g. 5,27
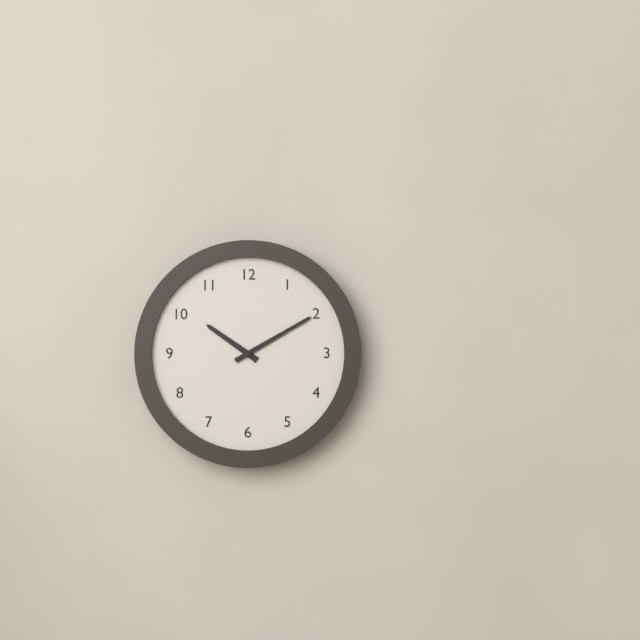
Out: 10,10
